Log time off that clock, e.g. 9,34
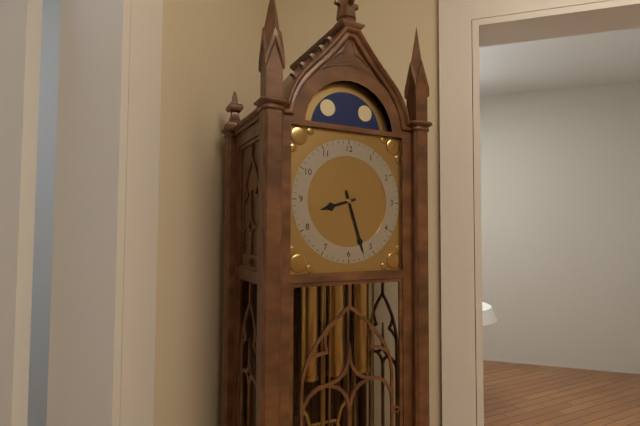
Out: 8,27
